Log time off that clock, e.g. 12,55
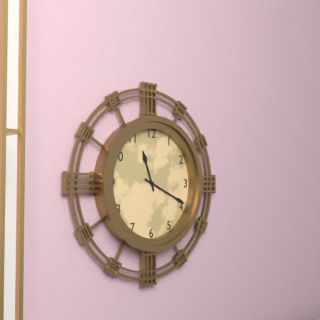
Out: 11,19
